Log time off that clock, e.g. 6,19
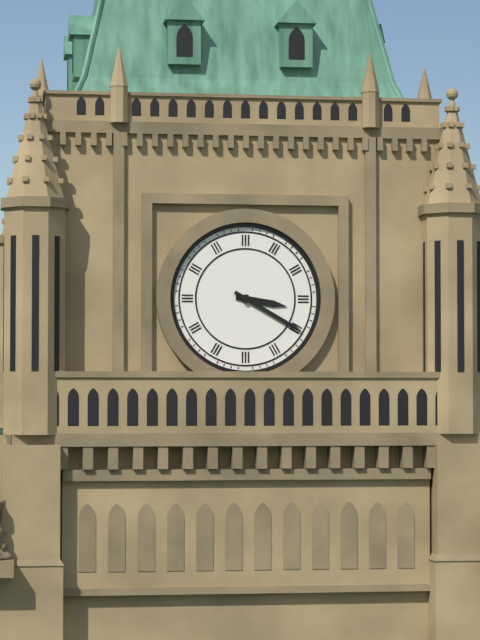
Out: 3,20
